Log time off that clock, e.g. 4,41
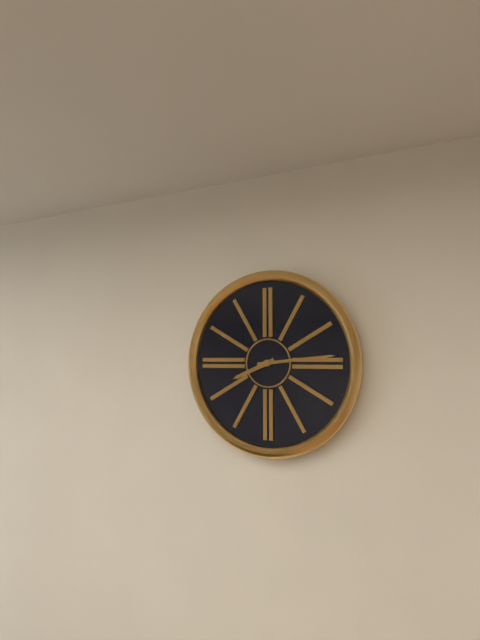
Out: 8,14
